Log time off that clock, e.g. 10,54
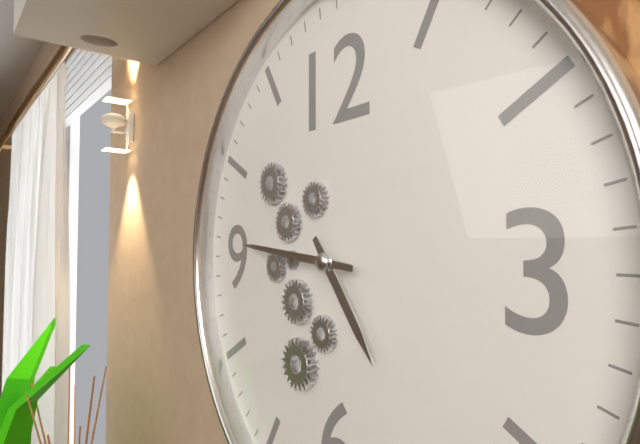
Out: 4,46
